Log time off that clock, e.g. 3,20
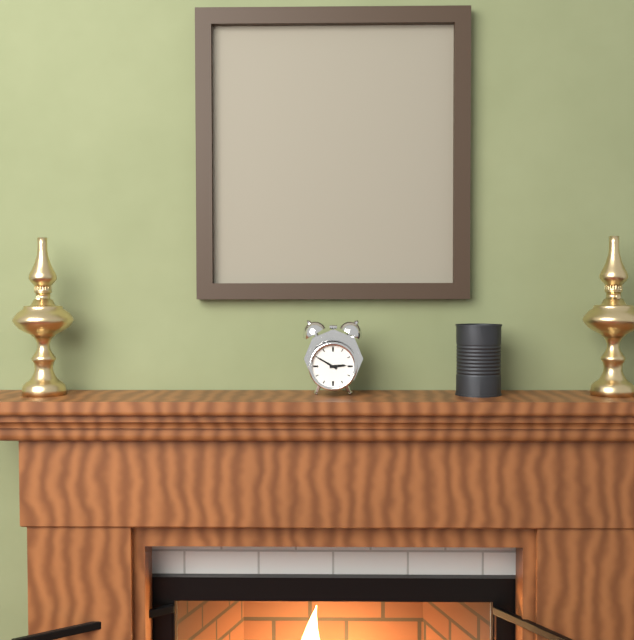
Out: 2,50
